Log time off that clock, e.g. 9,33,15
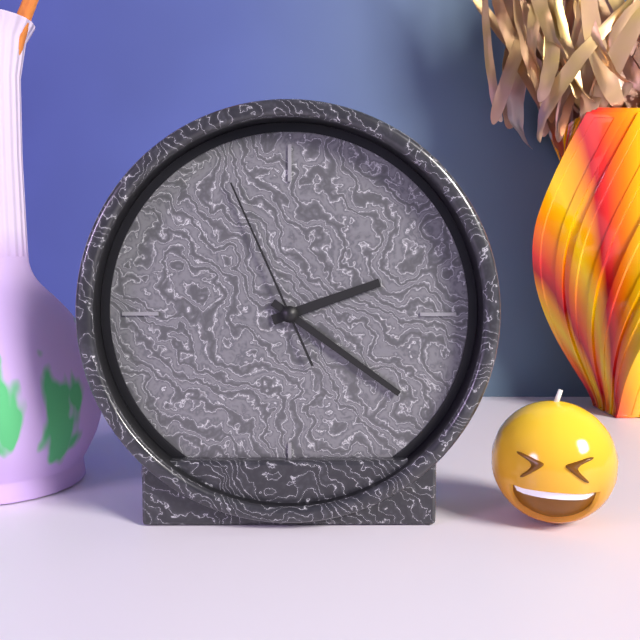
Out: 2,21,56
